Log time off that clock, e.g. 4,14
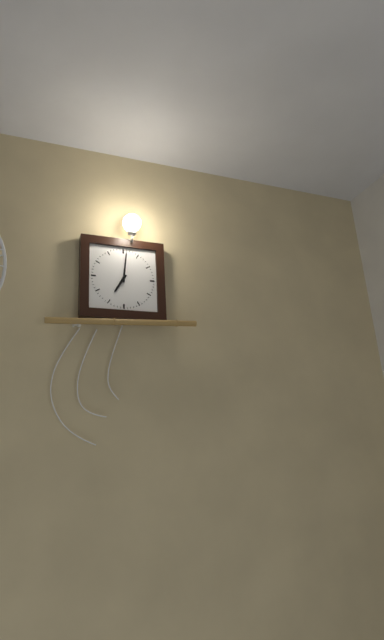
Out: 7,01
